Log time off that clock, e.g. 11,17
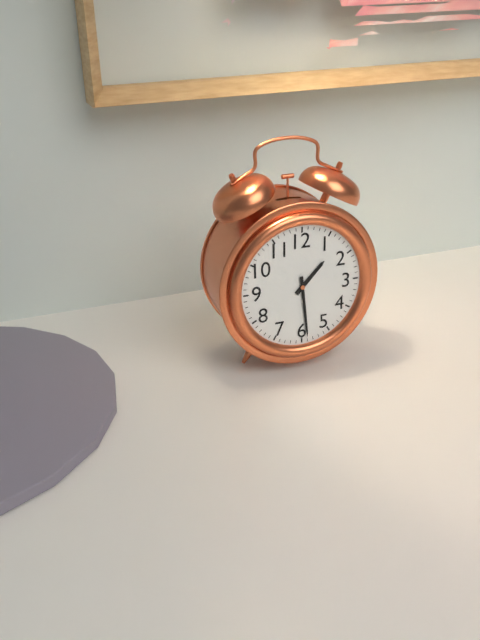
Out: 1,29
